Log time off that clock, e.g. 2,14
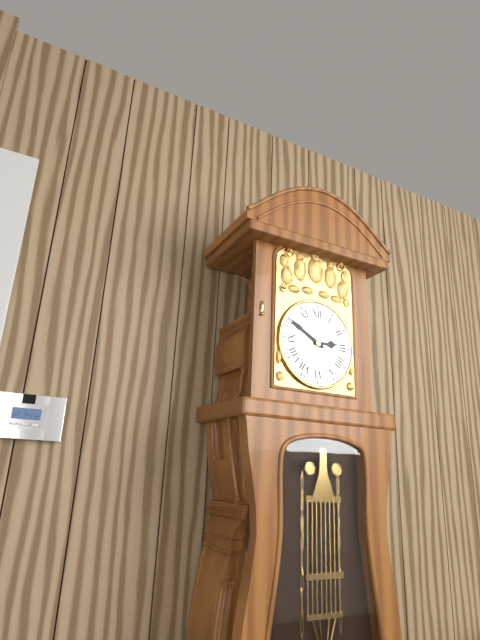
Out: 2,50
